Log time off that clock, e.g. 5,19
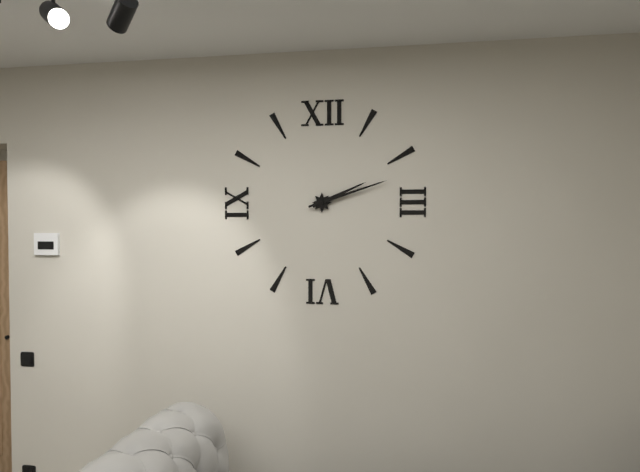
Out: 2,12
